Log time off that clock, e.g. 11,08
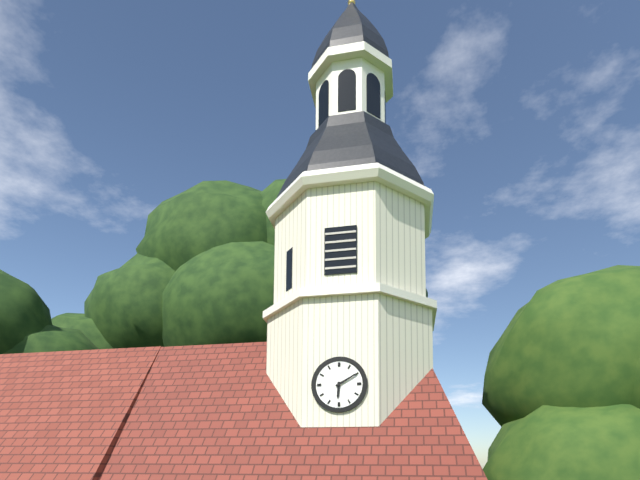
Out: 6,10
